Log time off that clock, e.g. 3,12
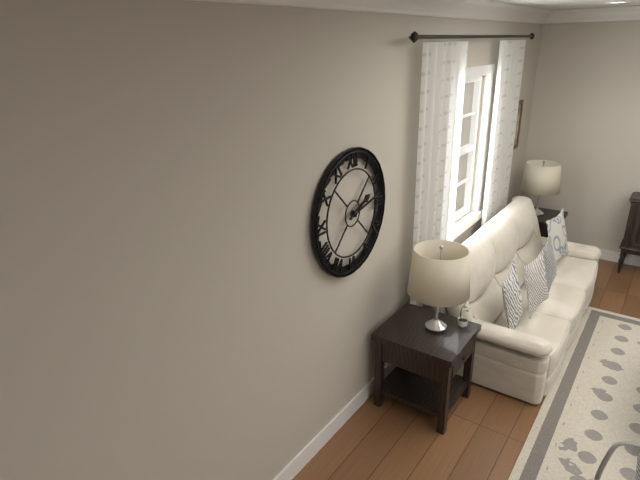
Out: 2,13
